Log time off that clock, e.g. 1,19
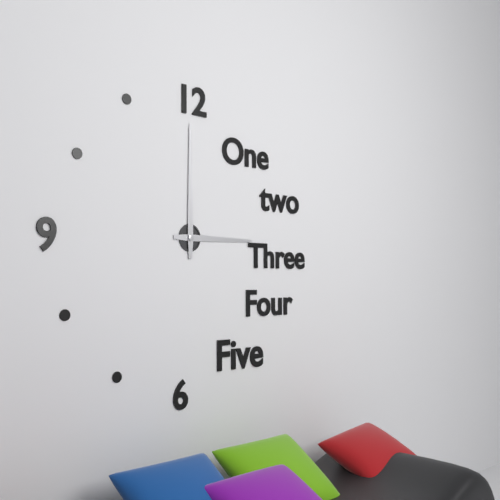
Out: 3,00
